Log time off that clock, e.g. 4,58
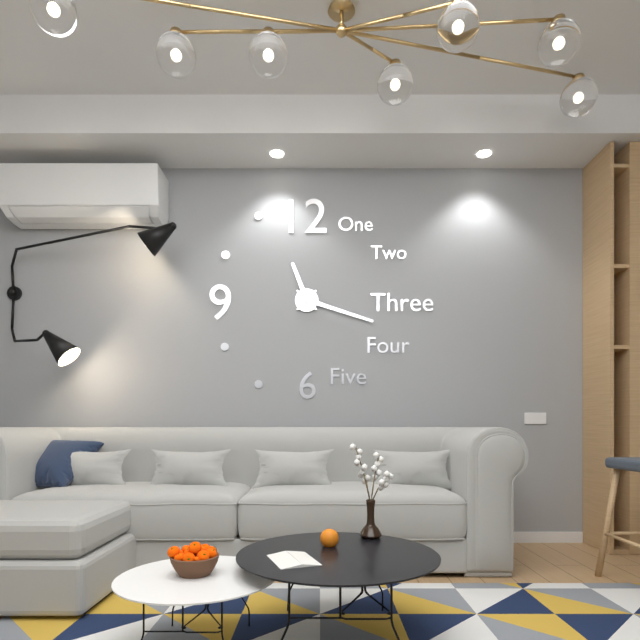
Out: 11,18
